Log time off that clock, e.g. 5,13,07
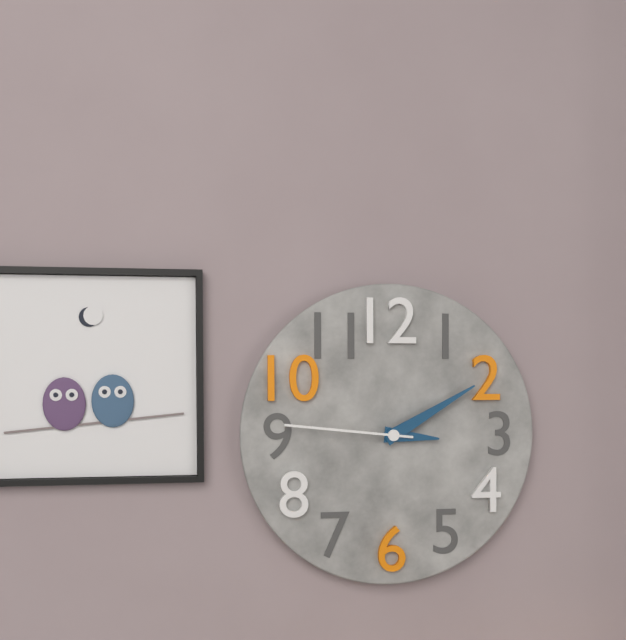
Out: 3,10,46
